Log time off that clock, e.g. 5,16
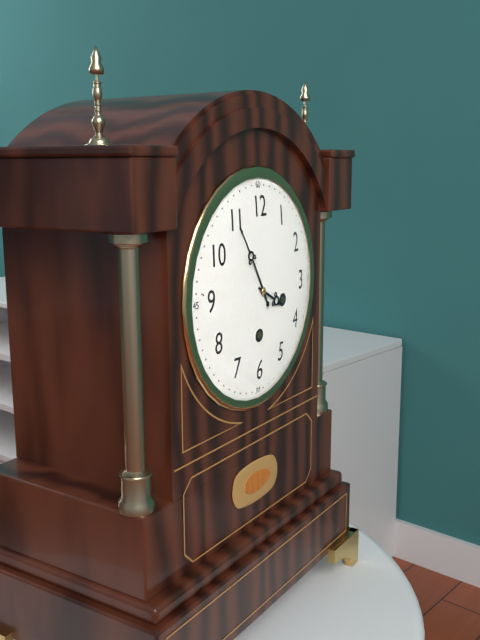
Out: 3,55
